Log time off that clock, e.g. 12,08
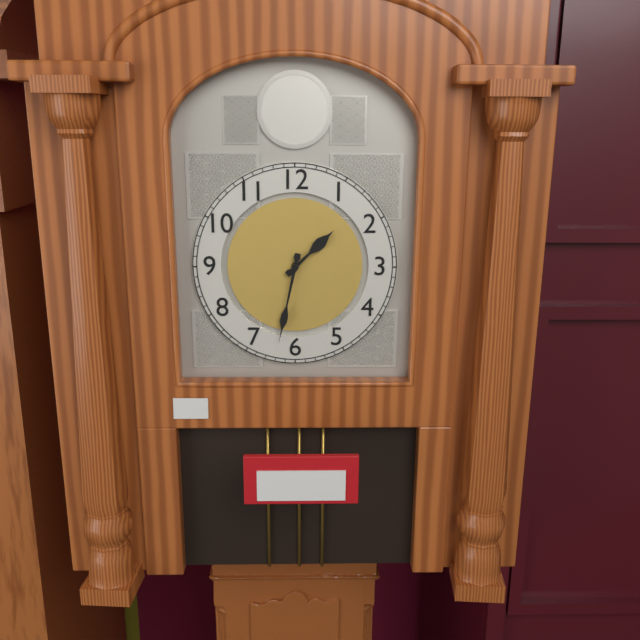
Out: 1,32
